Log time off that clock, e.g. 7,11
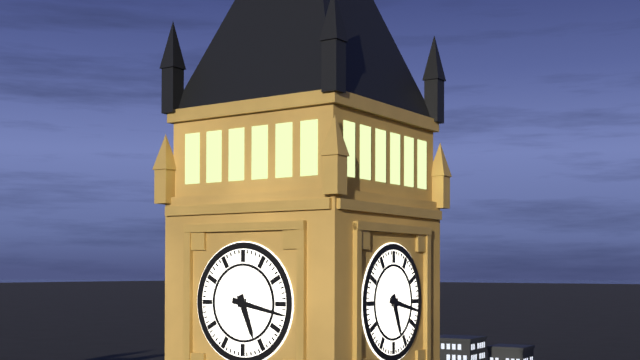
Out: 5,17
